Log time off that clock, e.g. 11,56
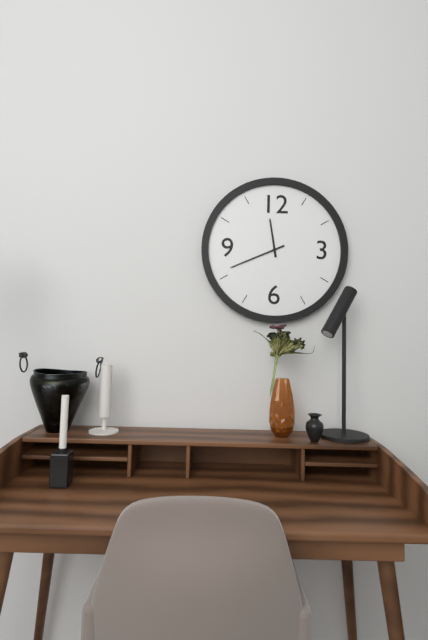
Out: 11,41
